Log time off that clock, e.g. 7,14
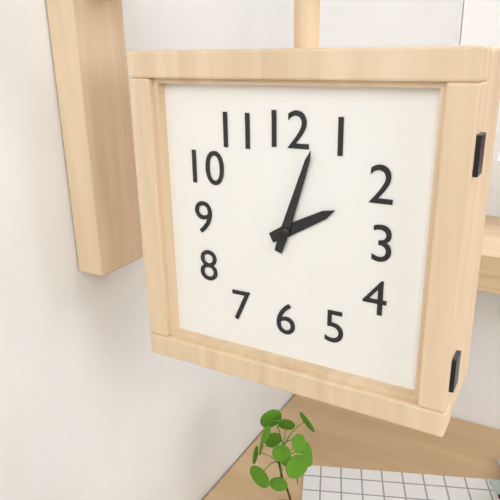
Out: 2,03
